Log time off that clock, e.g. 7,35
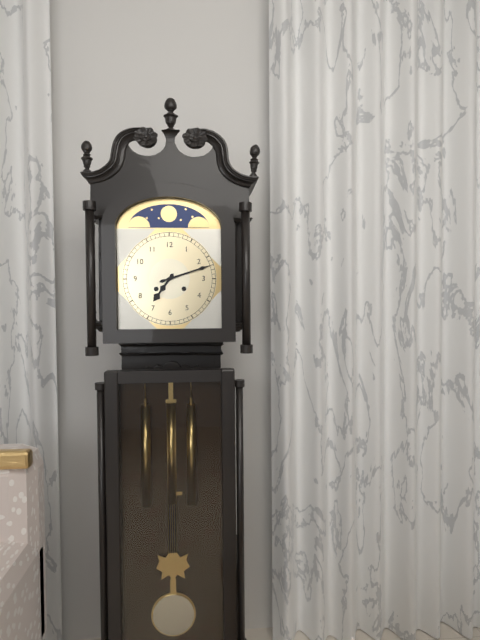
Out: 7,12
